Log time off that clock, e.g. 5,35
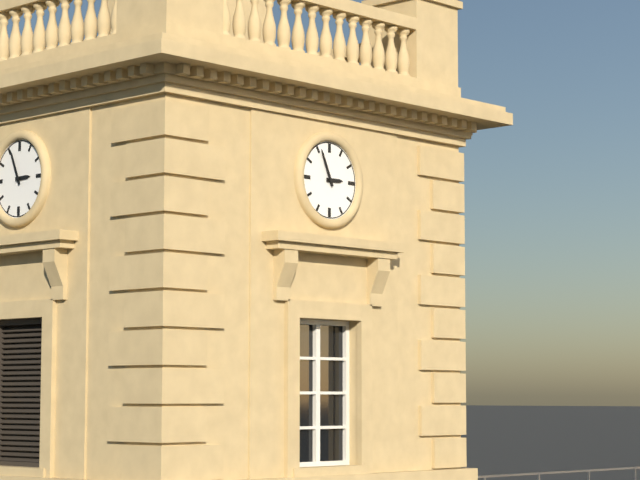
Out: 2,56
